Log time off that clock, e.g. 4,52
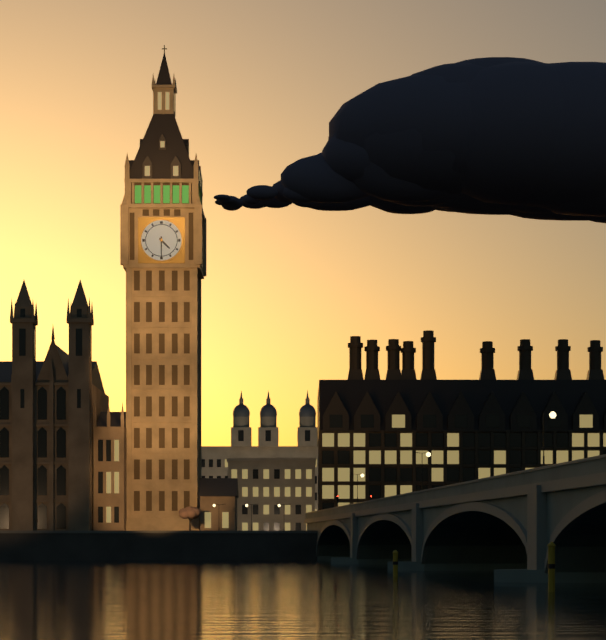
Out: 4,30
